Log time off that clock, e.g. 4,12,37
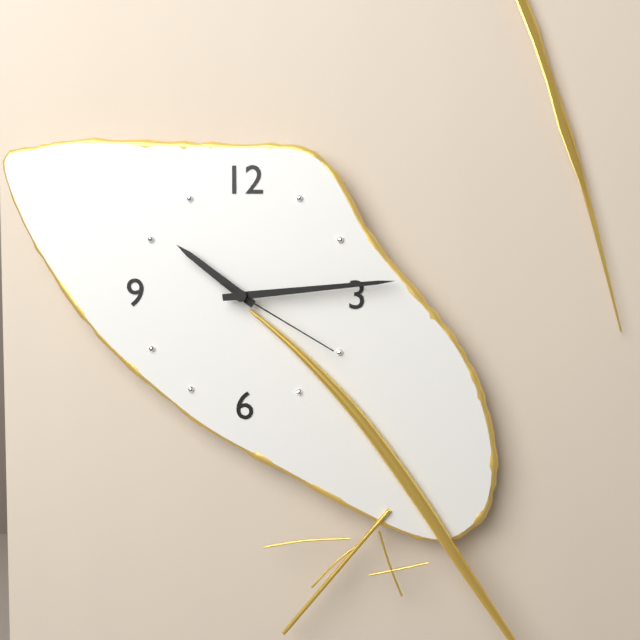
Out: 10,14,20
